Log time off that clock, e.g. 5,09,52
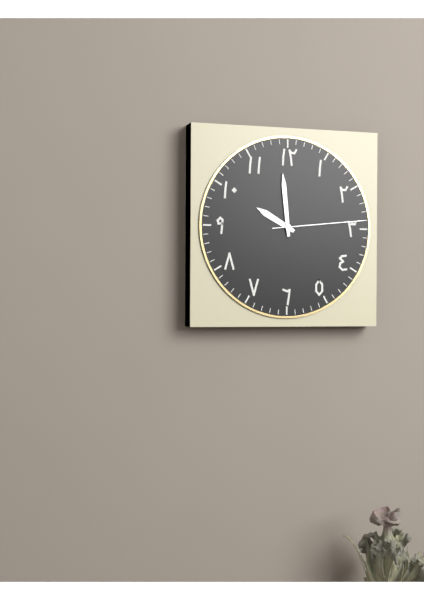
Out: 9,59,14
